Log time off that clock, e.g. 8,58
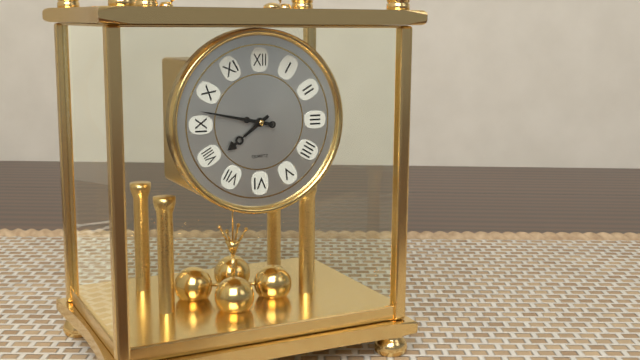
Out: 7,47
